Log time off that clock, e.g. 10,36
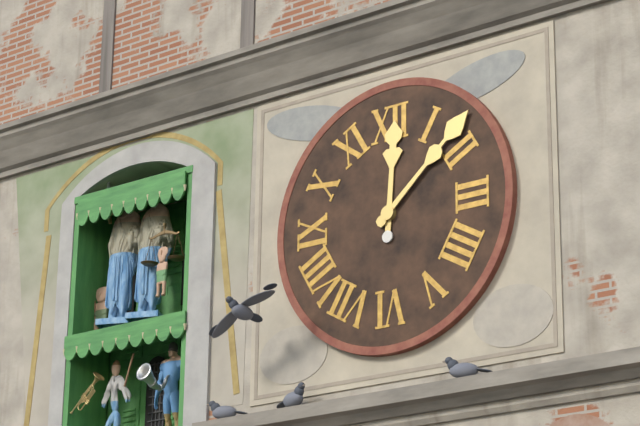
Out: 12,08
